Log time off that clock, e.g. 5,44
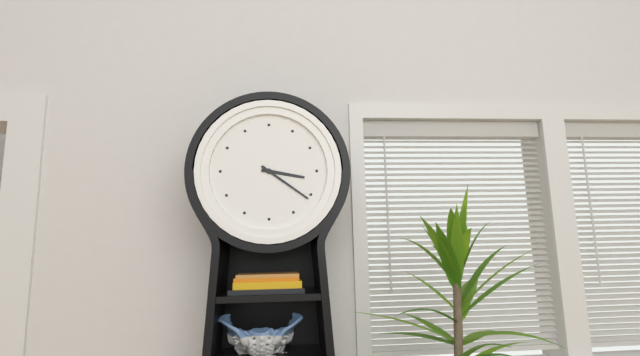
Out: 3,21
